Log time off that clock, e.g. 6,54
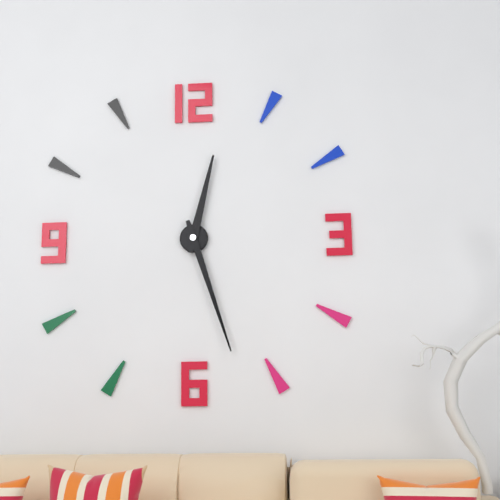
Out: 12,27
